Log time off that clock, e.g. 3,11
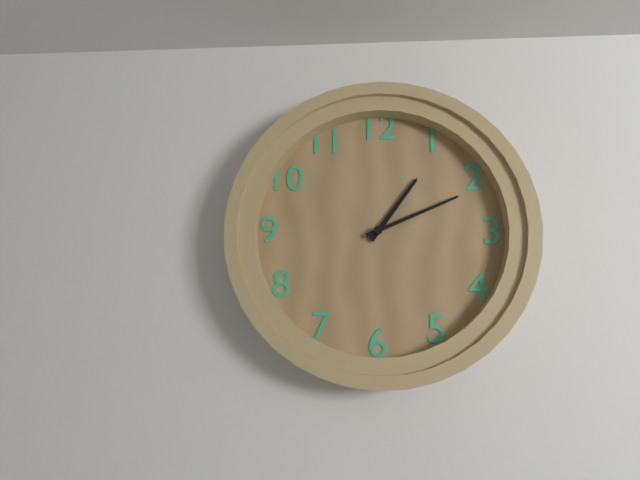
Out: 1,11
